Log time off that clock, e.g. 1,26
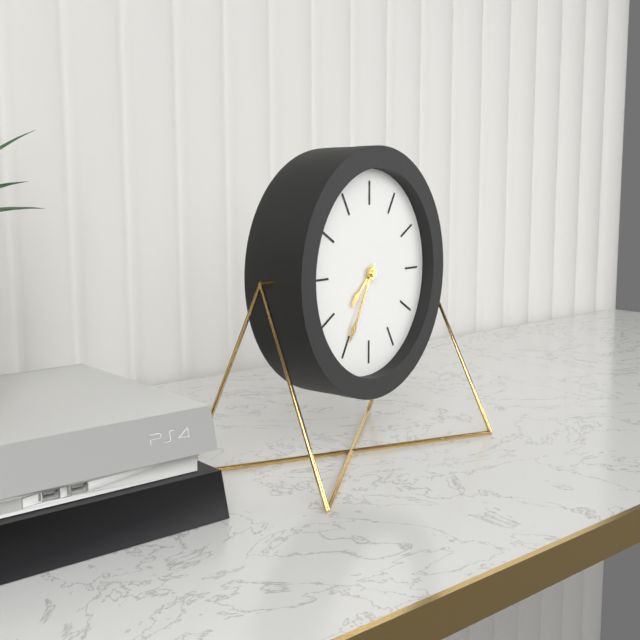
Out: 7,35
